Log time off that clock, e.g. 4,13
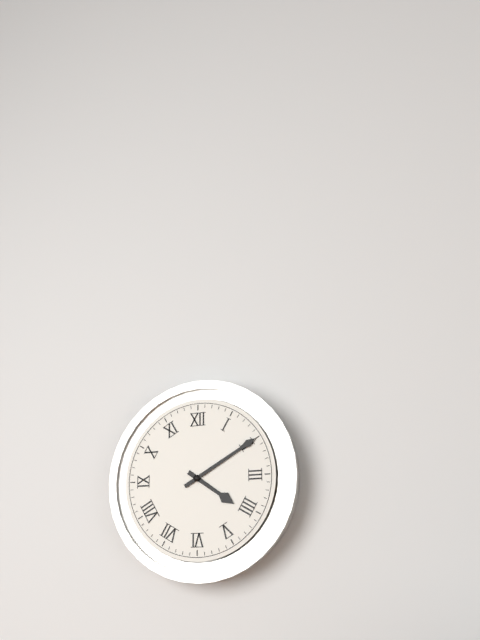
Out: 4,10
